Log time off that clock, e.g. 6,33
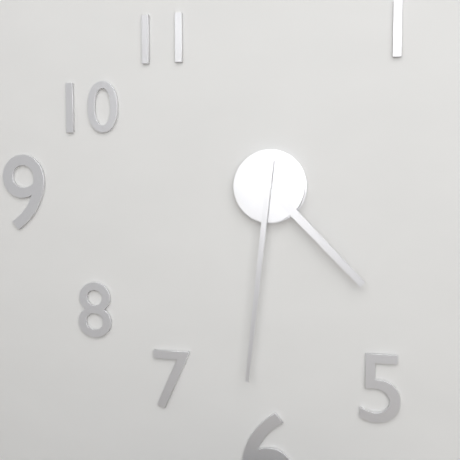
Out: 4,31
